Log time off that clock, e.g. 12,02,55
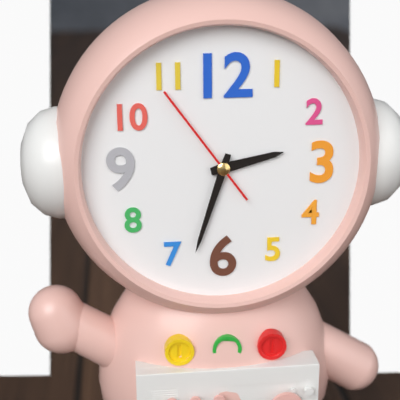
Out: 2,33,54
